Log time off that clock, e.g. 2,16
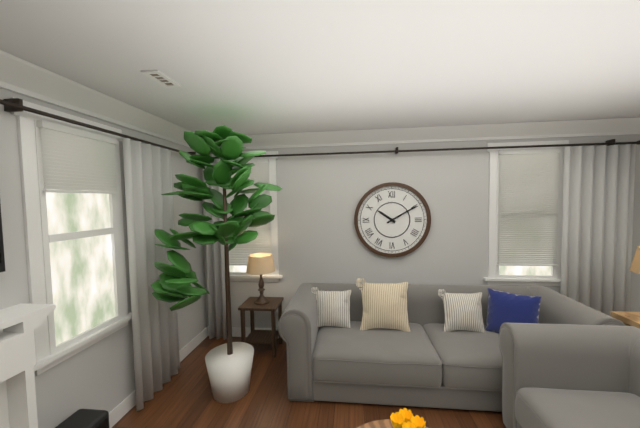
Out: 10,10
